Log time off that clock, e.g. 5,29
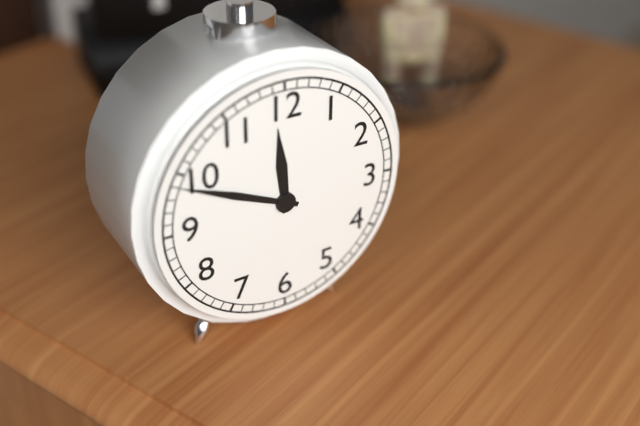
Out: 11,49
